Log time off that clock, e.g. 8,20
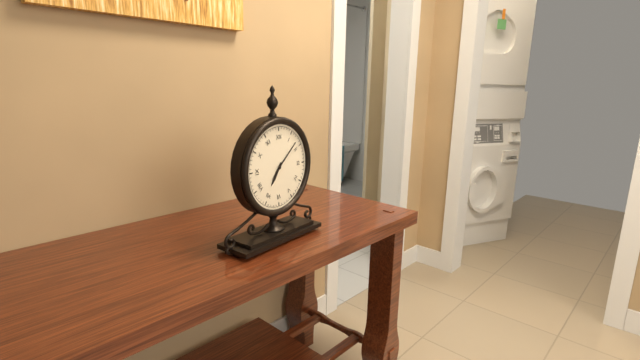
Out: 7,08
